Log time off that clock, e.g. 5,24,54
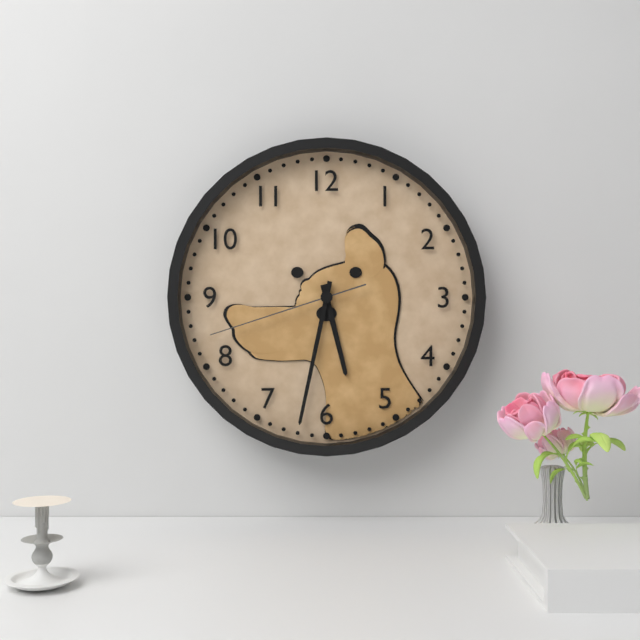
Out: 5,32,42
